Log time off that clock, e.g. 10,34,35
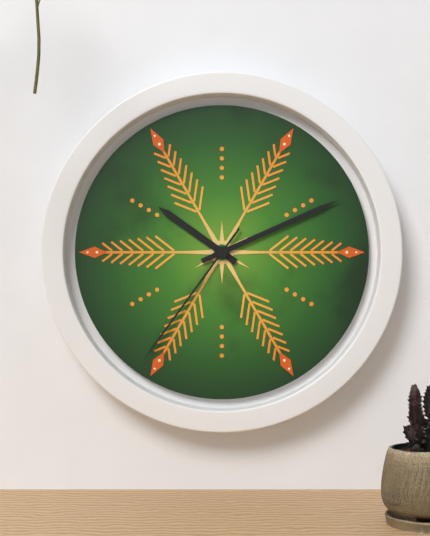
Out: 10,11,36
